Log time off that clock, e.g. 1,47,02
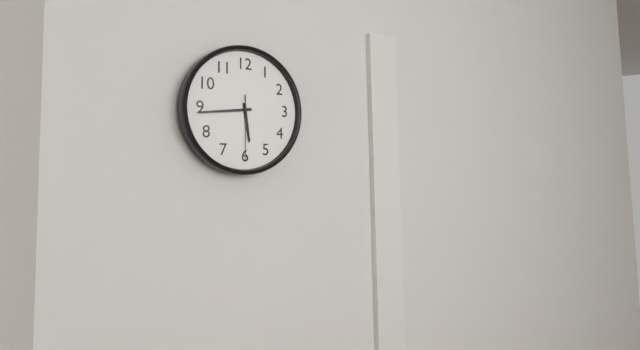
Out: 5,44,30
